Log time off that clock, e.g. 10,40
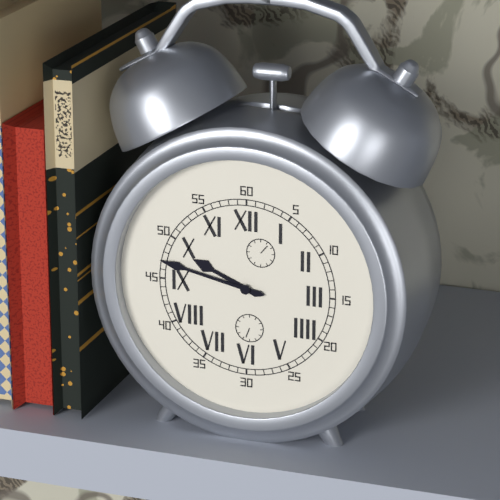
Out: 9,47
